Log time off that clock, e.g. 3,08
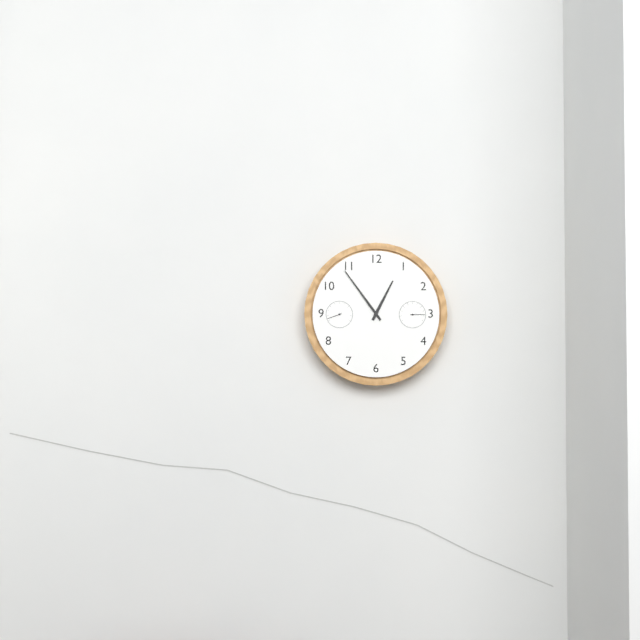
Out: 12,54
